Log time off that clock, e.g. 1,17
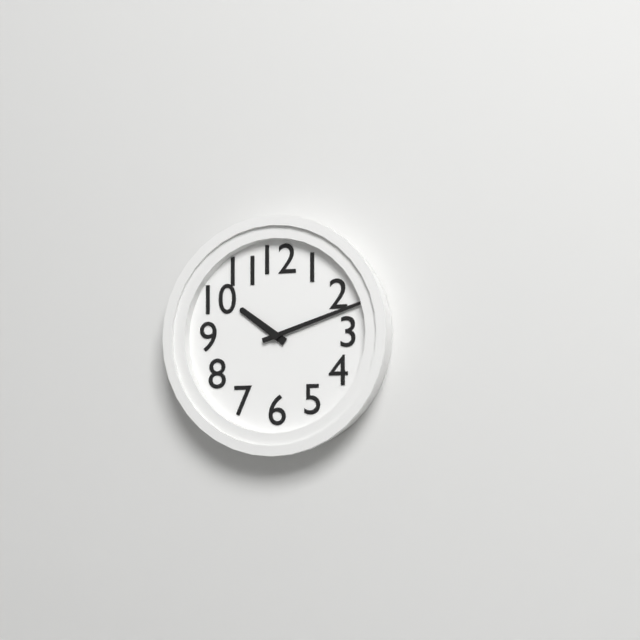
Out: 10,12
